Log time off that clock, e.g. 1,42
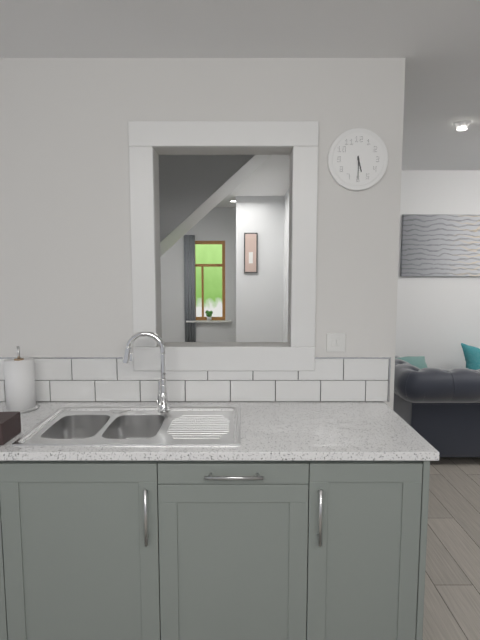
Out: 5,30
